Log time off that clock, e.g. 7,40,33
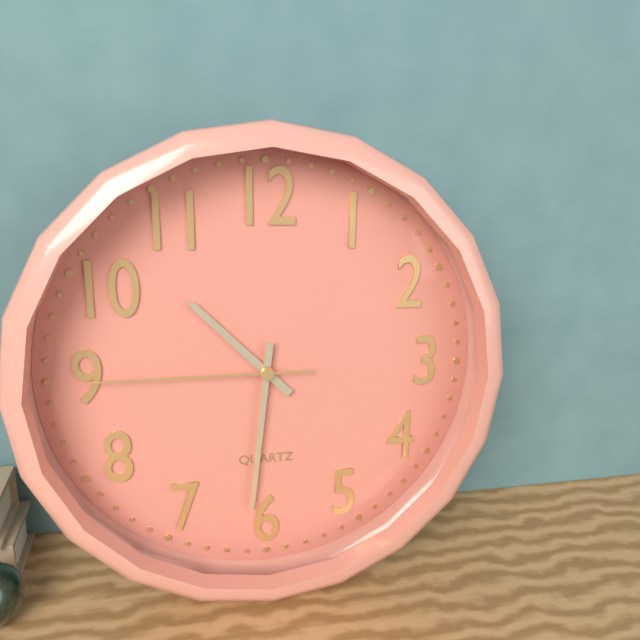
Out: 10,31,45
